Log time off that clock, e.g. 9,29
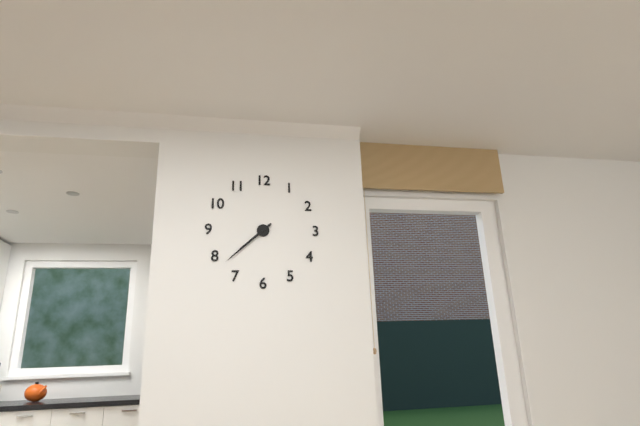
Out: 7,38
